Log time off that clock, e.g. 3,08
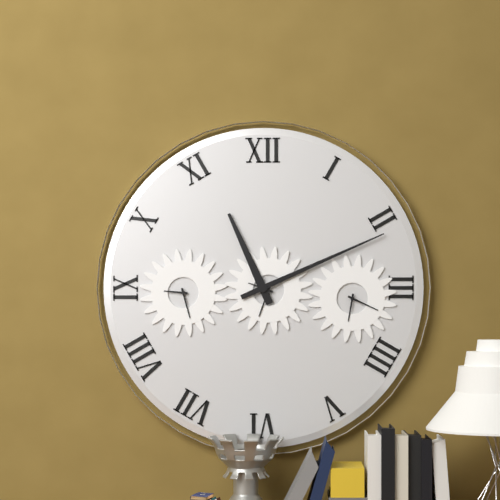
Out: 11,11
